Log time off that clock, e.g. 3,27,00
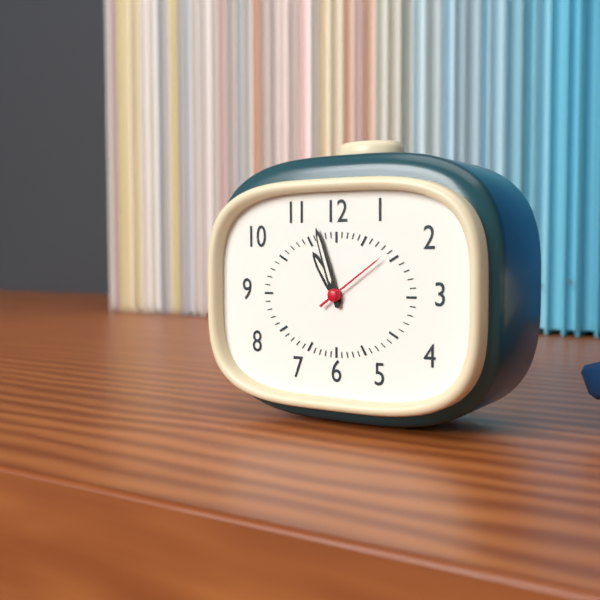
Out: 10,57,09
